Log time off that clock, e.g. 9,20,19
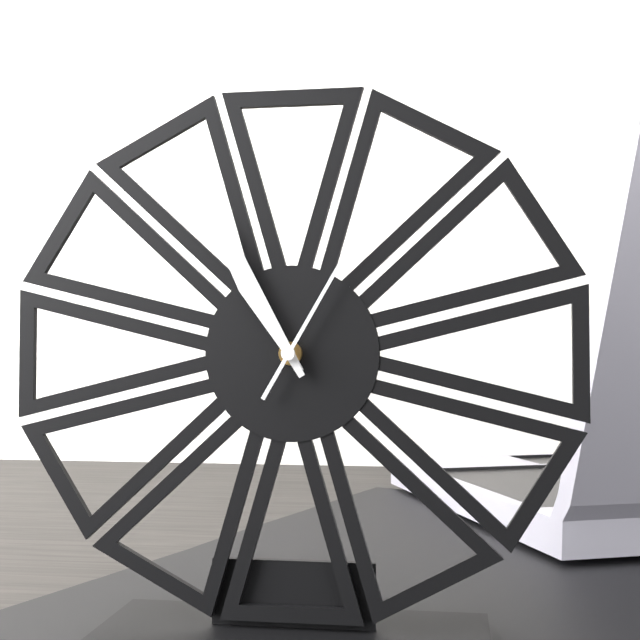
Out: 10,55,05
